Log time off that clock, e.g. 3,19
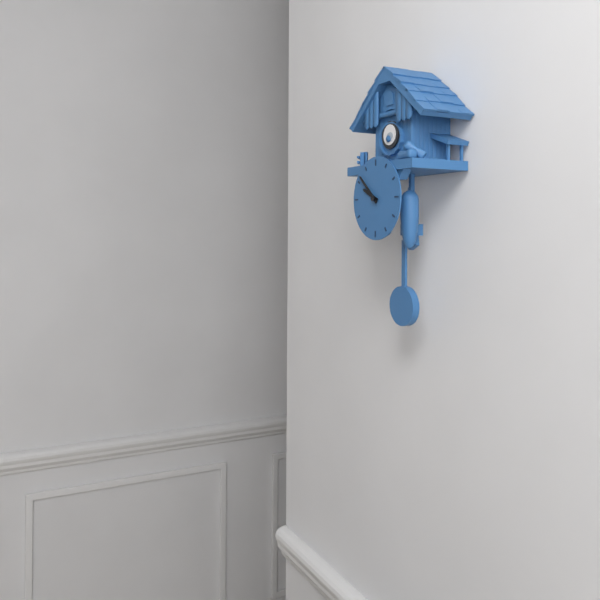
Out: 9,52
